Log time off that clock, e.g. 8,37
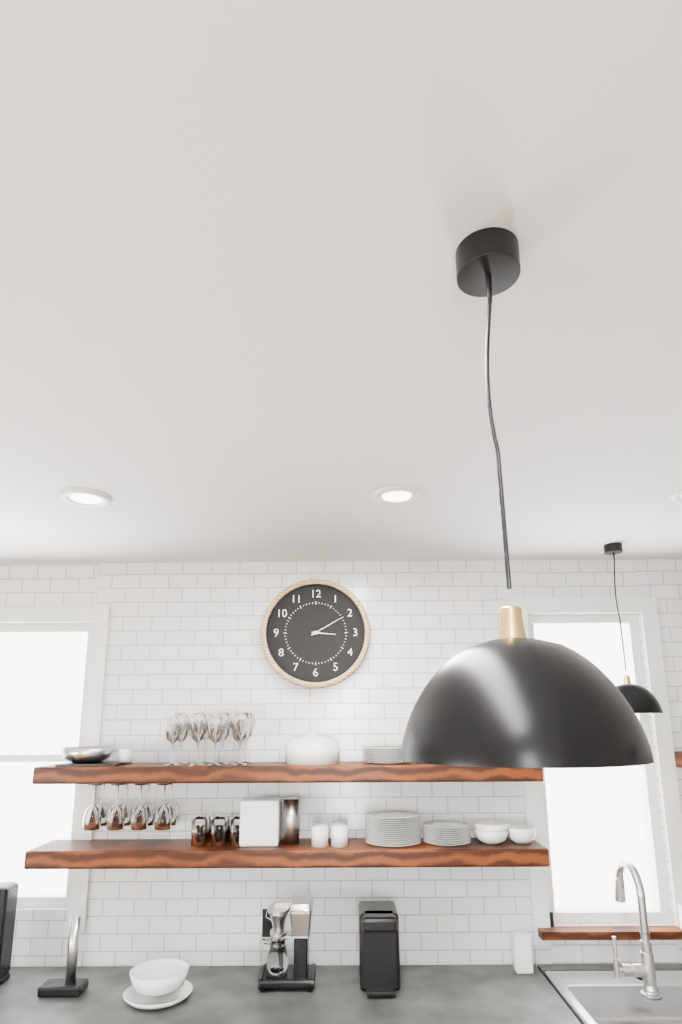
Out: 3,10
